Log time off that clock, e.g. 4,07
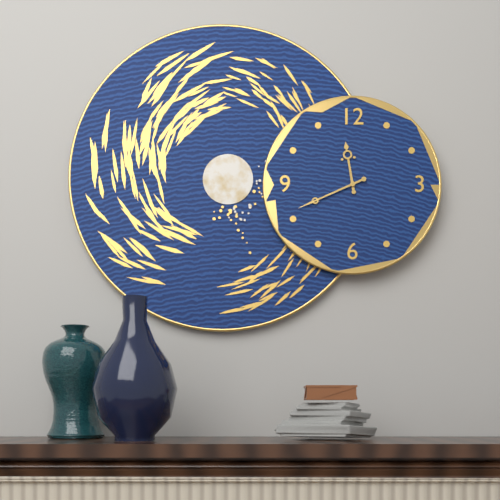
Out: 11,41
